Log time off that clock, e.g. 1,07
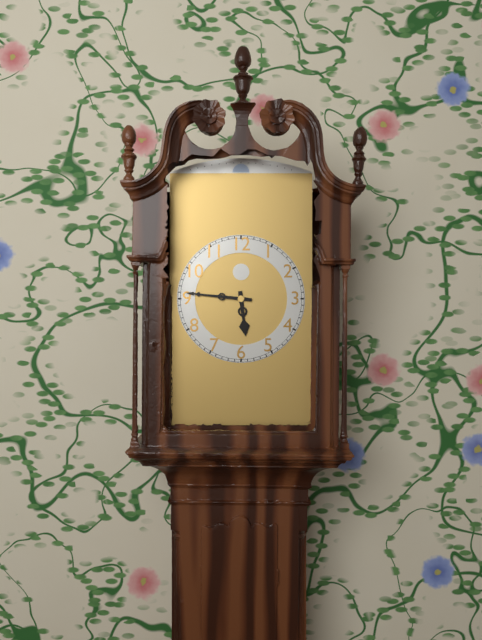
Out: 5,46
